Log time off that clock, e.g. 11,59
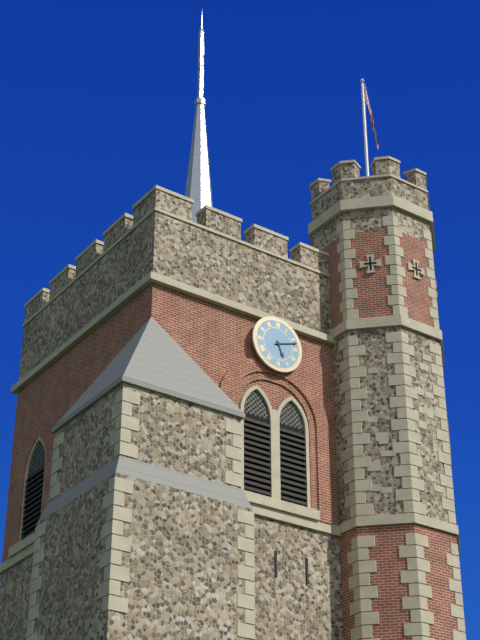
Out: 5,12
